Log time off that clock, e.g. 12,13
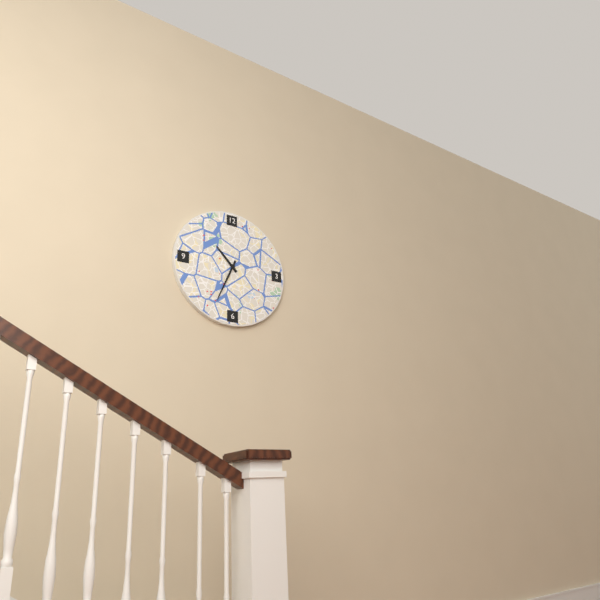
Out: 10,34
